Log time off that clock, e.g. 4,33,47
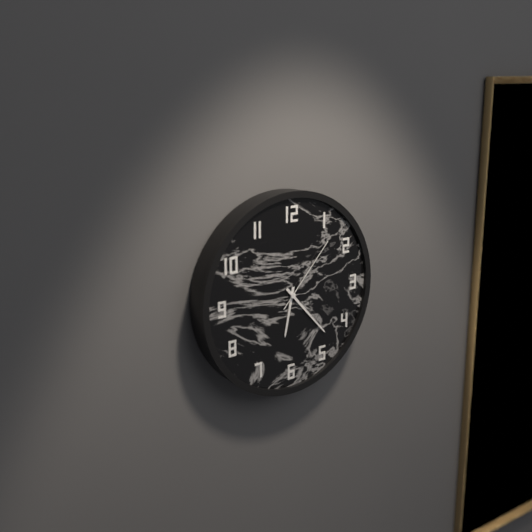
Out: 6,23,07
